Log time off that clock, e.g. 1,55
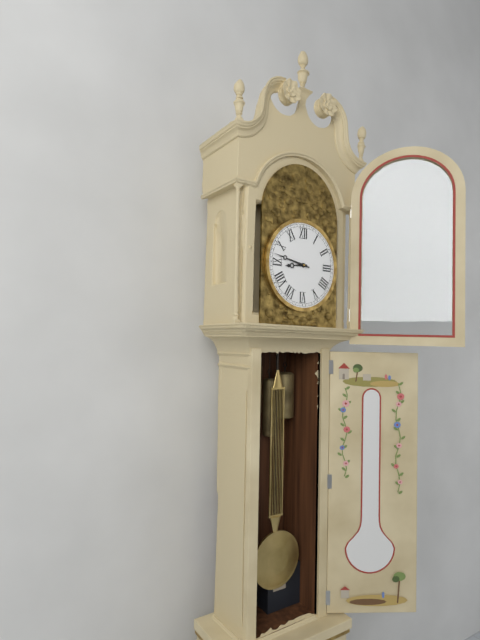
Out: 8,47
